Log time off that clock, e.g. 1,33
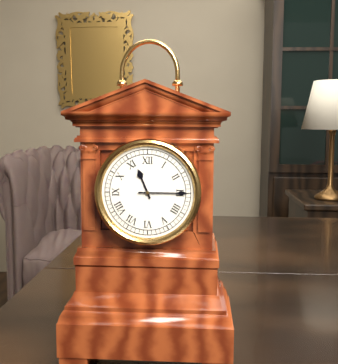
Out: 11,15
